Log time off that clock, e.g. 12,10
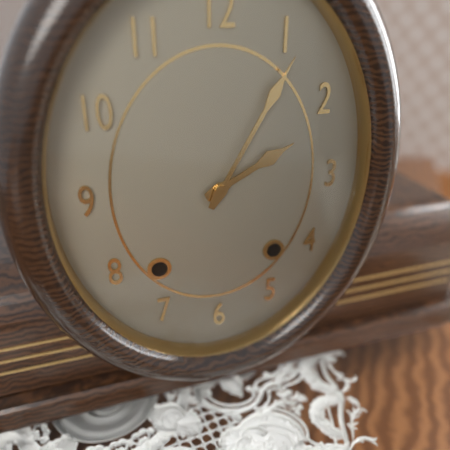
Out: 2,05
